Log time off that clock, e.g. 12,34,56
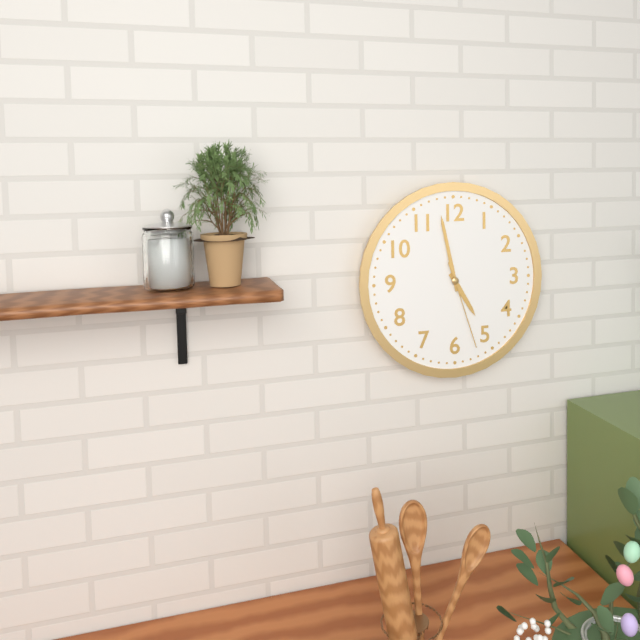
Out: 4,58,27
